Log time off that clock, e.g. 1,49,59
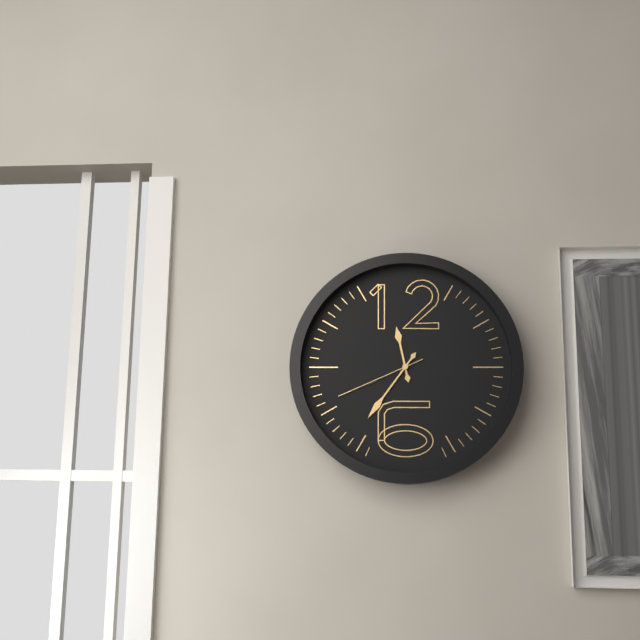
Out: 11,36,41
